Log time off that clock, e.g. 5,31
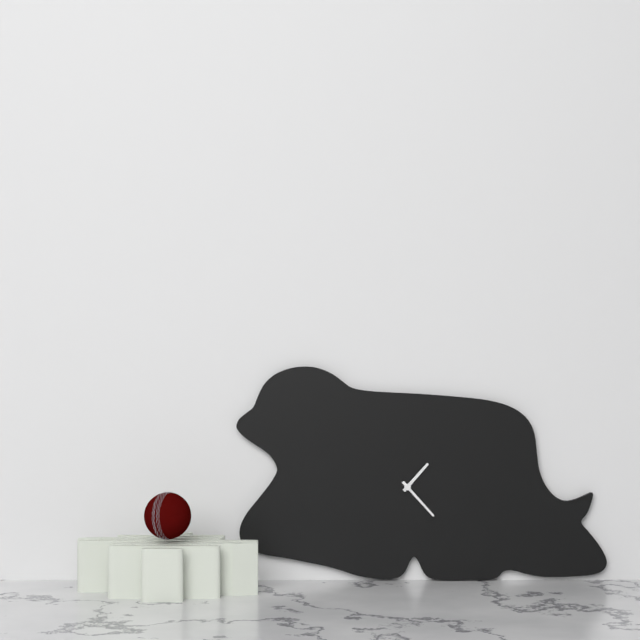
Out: 1,23
